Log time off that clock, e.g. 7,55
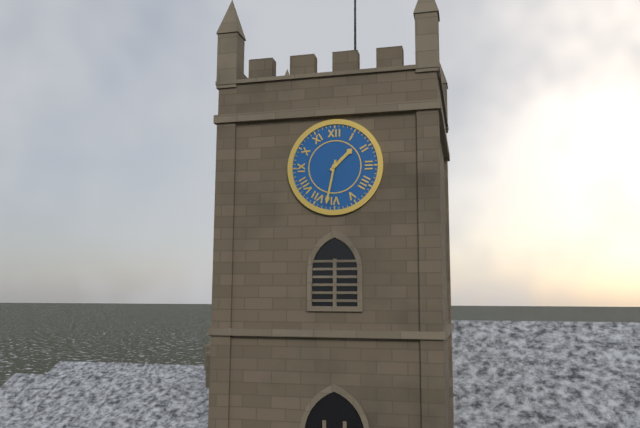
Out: 1,32
